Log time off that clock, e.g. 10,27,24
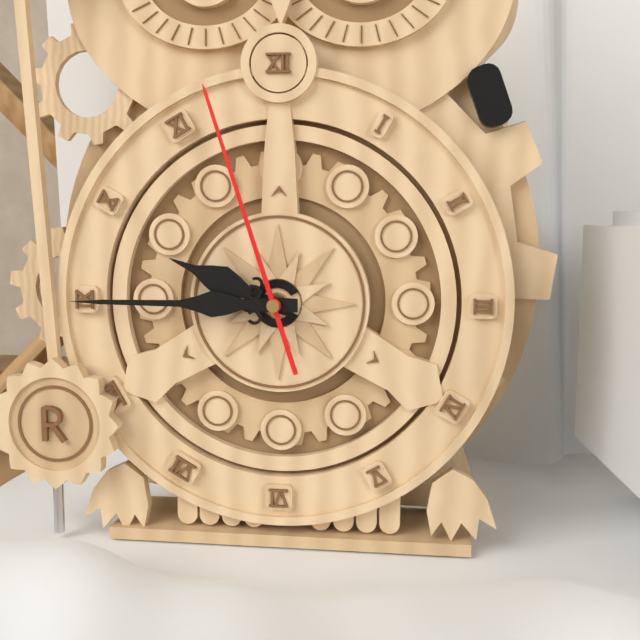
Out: 9,45,57
